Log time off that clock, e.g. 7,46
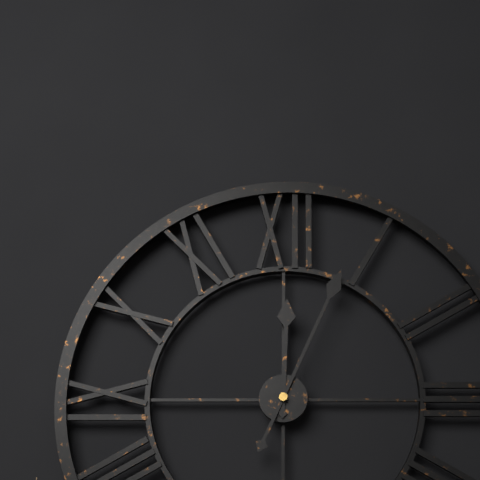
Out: 12,04
